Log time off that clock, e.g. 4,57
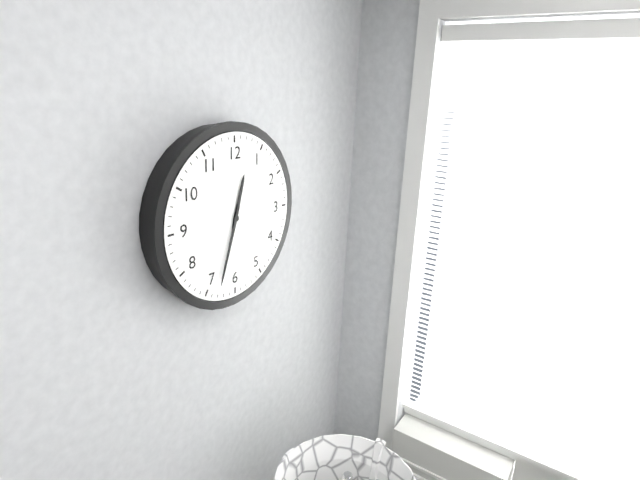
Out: 12,33
